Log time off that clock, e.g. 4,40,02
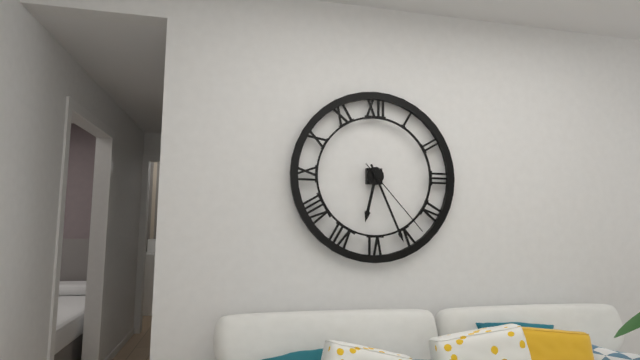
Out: 6,26,23
